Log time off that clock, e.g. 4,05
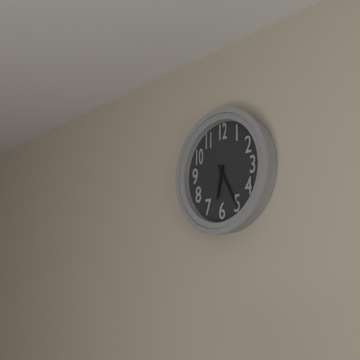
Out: 6,25
